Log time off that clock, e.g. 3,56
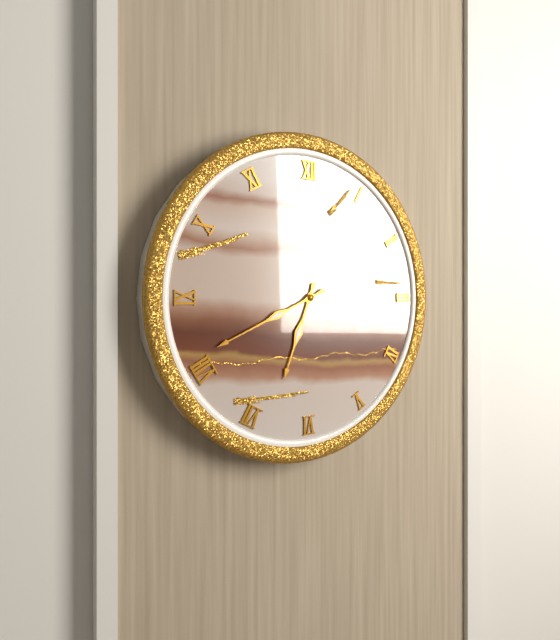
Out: 6,41
